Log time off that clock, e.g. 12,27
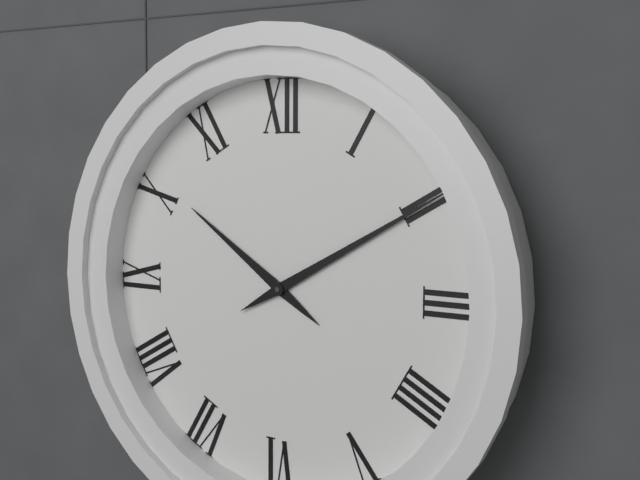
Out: 10,10
